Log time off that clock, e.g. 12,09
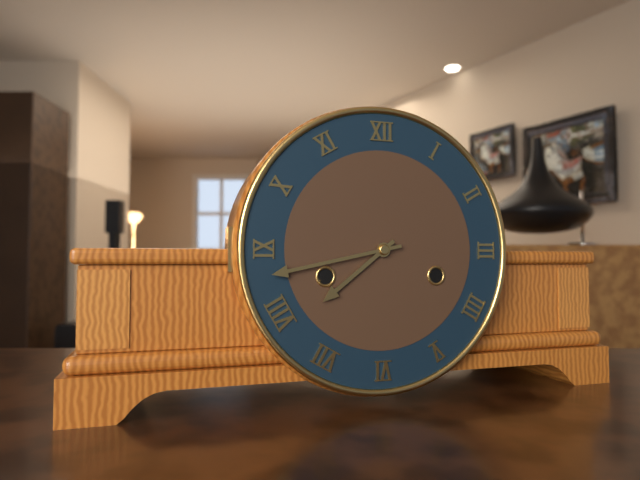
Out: 7,43
